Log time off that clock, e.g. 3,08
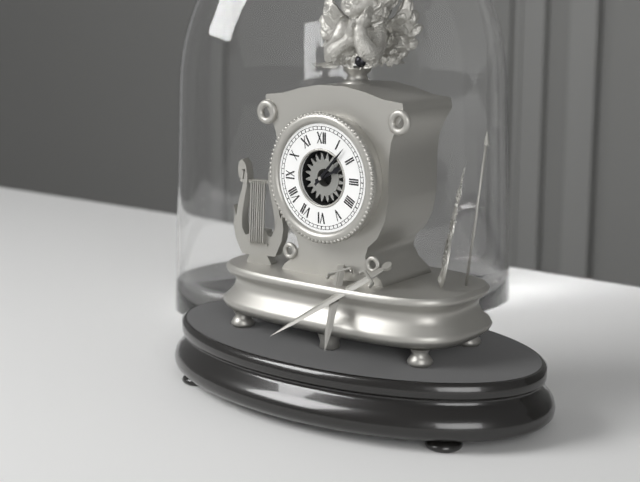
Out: 2,07
